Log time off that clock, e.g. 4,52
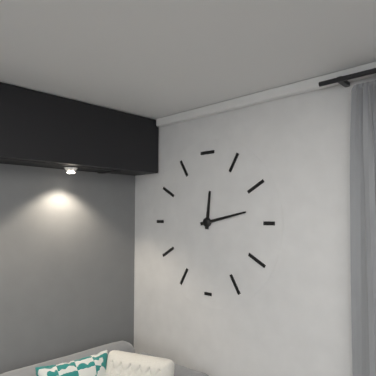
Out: 12,13
